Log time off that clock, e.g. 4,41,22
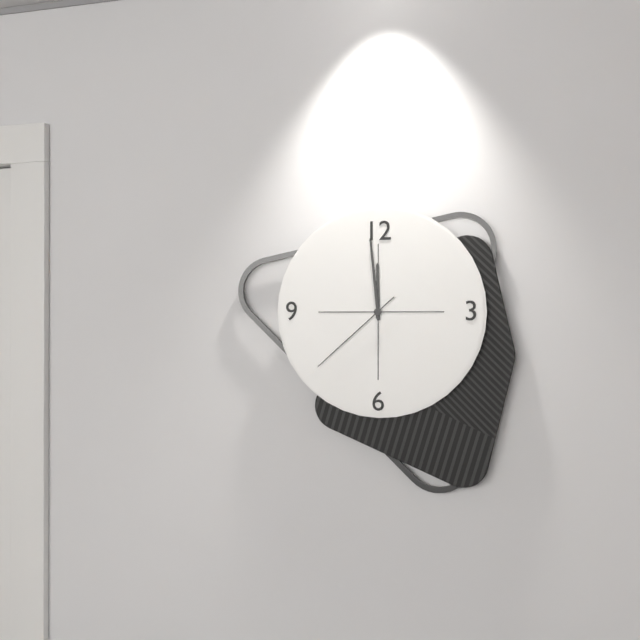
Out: 11,59,38
